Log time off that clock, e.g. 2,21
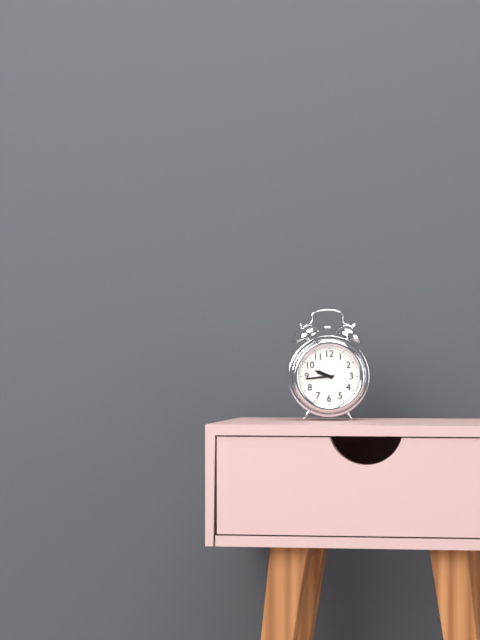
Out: 9,44
